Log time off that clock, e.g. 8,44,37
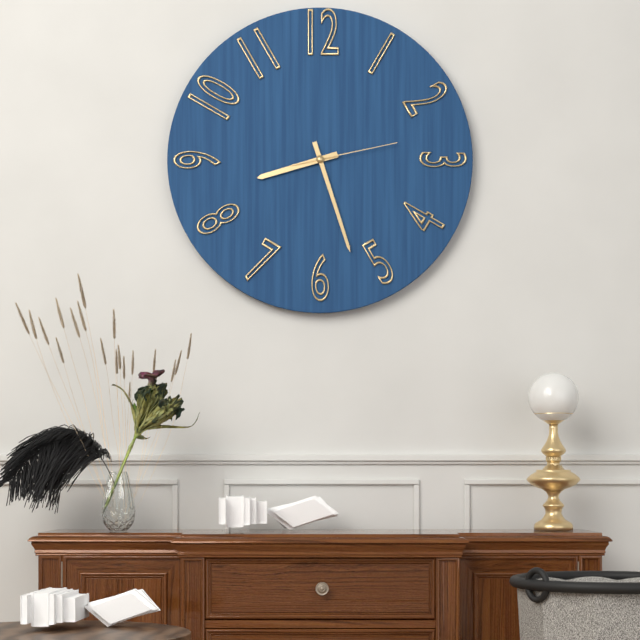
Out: 8,27,13
